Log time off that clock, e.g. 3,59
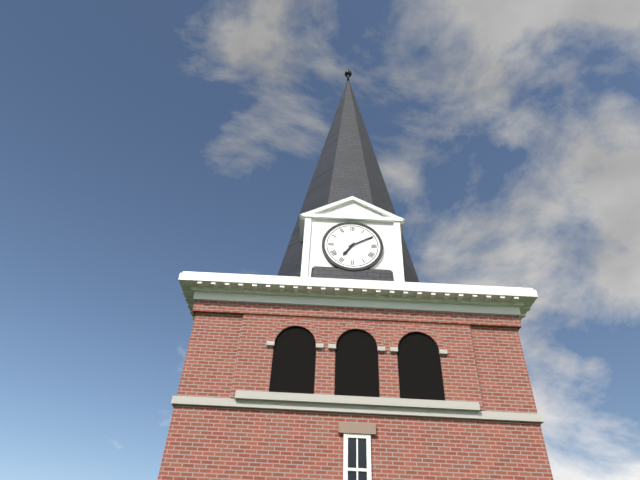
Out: 7,10
